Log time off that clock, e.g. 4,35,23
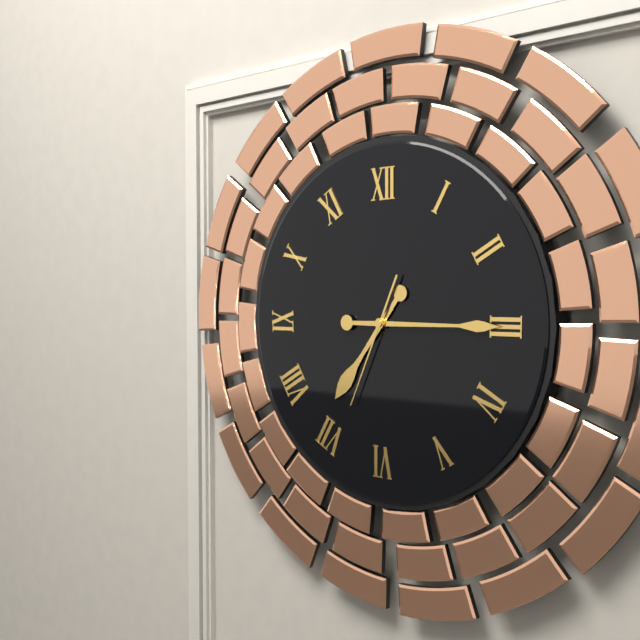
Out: 7,15,34
